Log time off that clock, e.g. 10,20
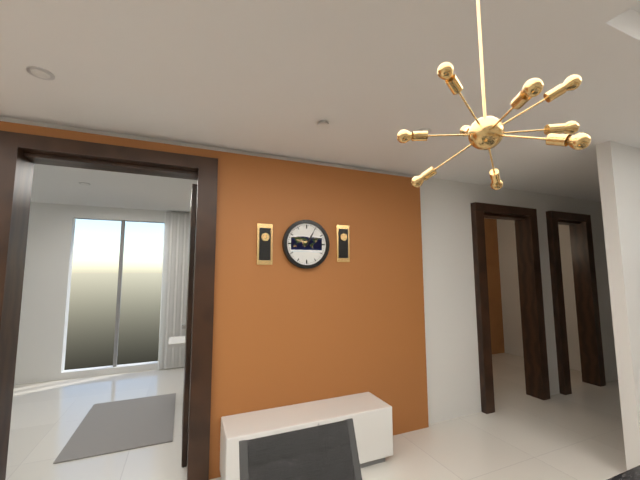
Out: 1,05
